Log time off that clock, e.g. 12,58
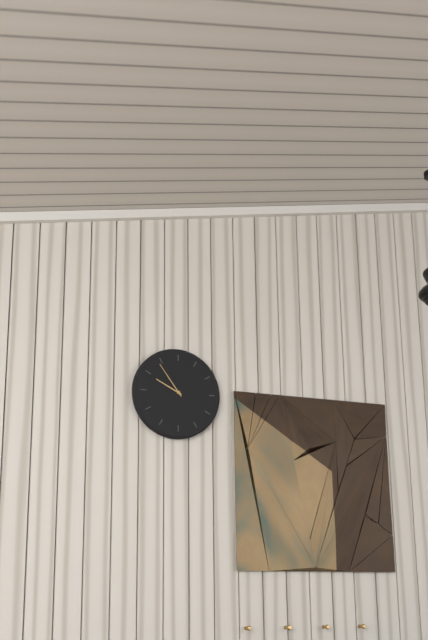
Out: 9,54
